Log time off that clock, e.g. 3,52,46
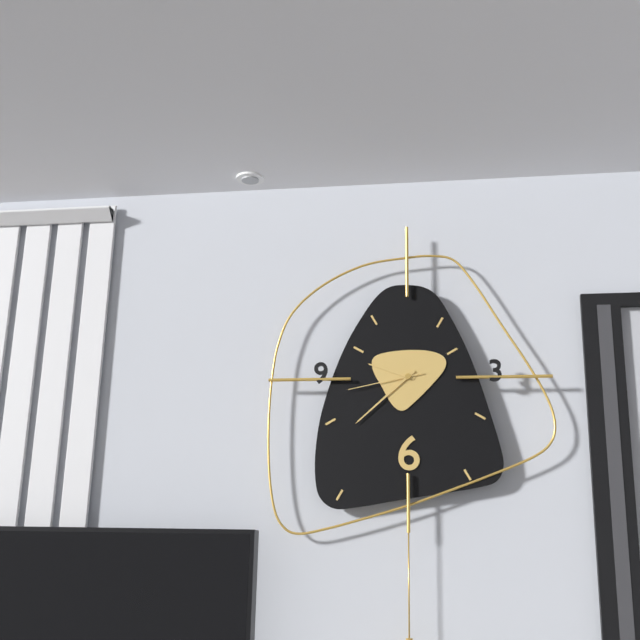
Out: 9,38,43
